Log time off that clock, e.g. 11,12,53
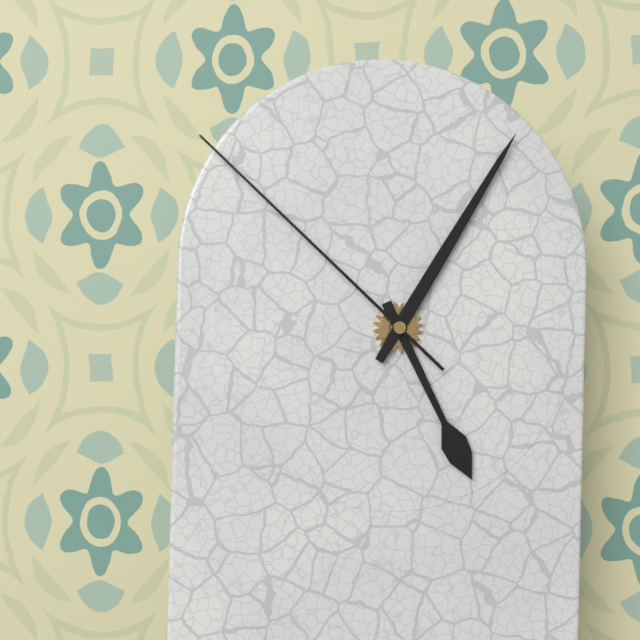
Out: 5,05,52
